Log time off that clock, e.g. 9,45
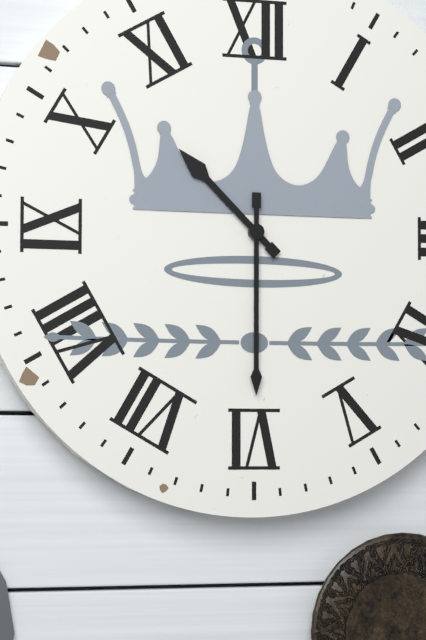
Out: 10,30
